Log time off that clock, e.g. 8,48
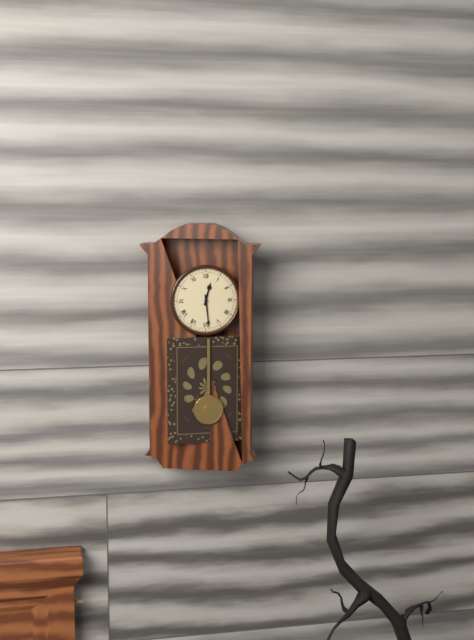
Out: 12,29
